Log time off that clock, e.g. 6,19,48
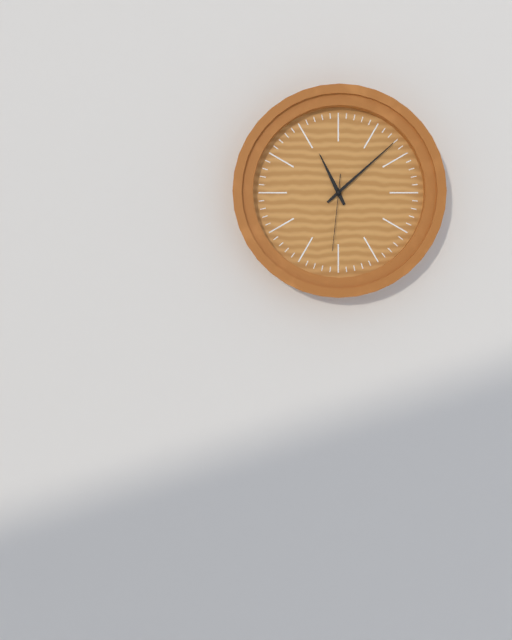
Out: 11,08,31
